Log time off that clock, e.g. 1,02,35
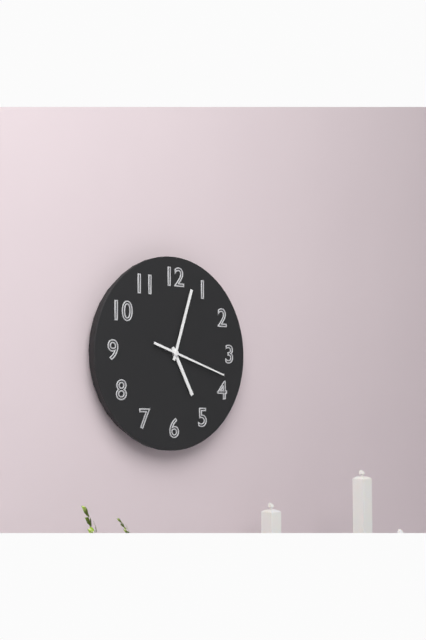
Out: 5,03,18
